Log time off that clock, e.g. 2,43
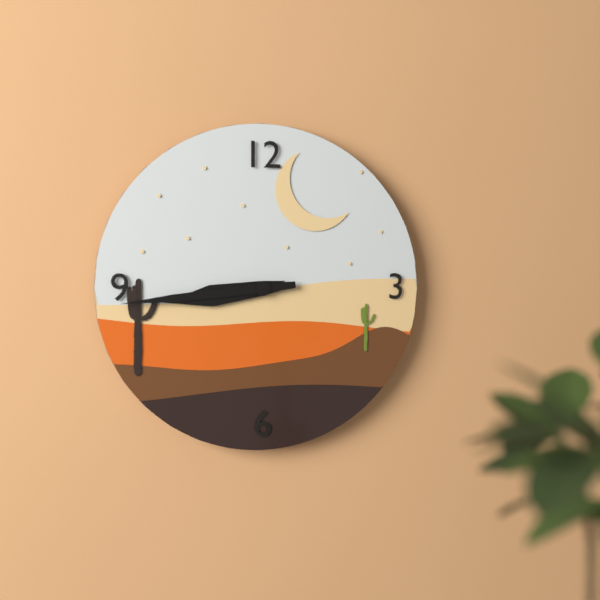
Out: 8,44
